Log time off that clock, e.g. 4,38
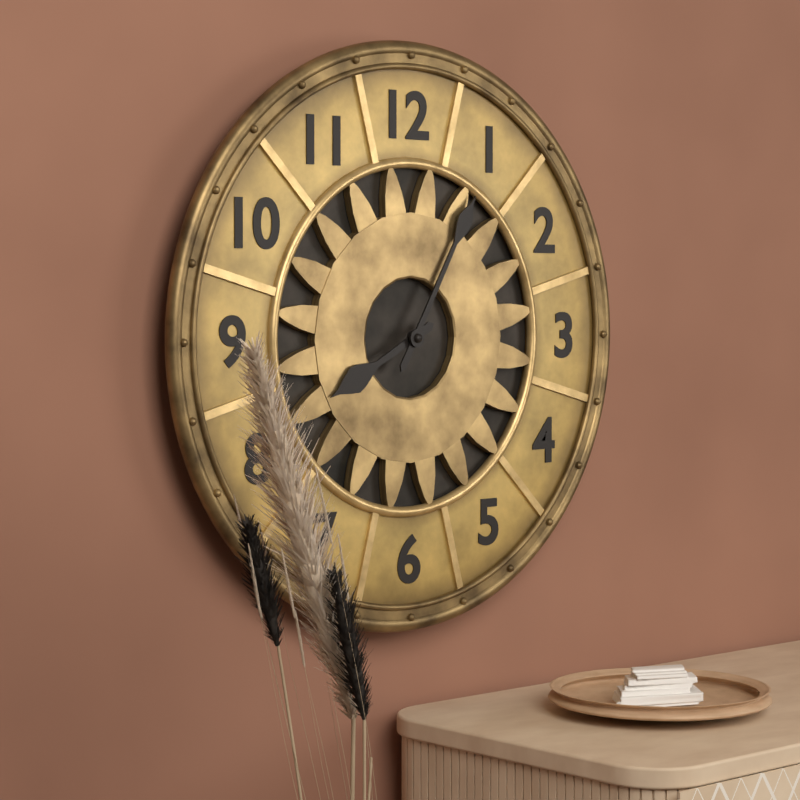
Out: 8,05
